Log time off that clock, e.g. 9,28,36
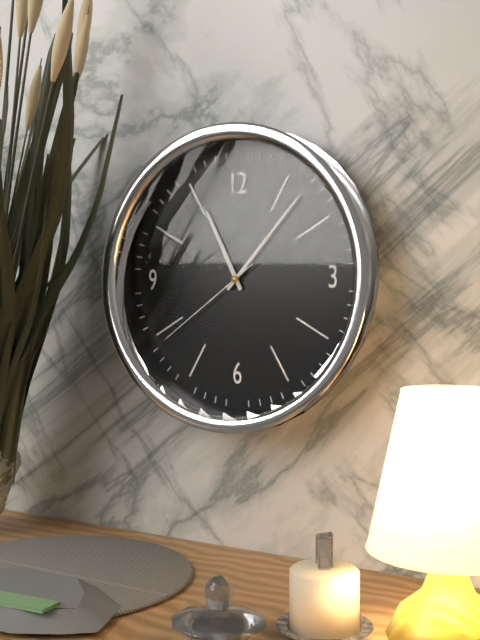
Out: 11,07,39
